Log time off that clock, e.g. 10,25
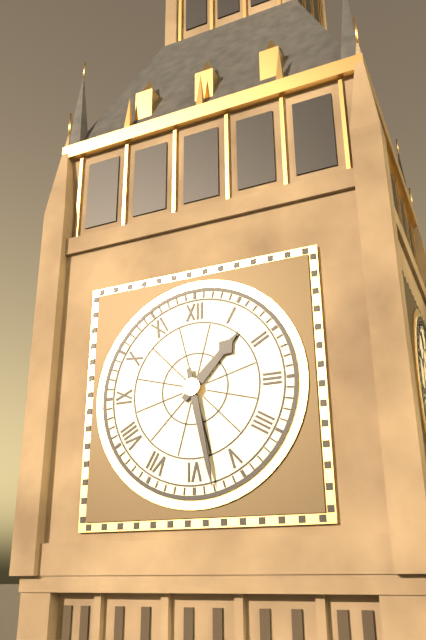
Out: 1,28
